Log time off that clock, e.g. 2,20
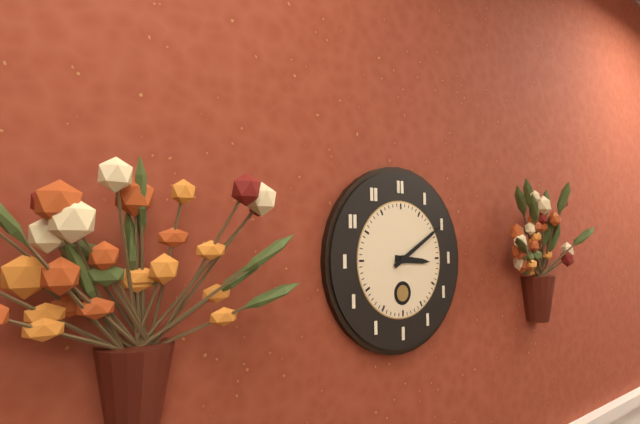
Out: 3,10
